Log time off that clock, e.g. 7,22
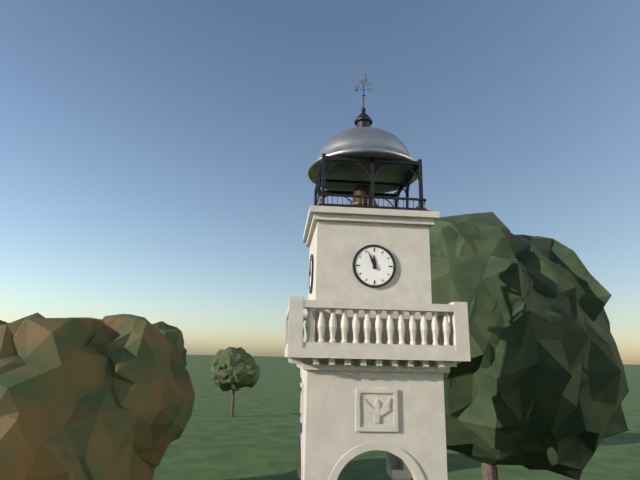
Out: 11,56
